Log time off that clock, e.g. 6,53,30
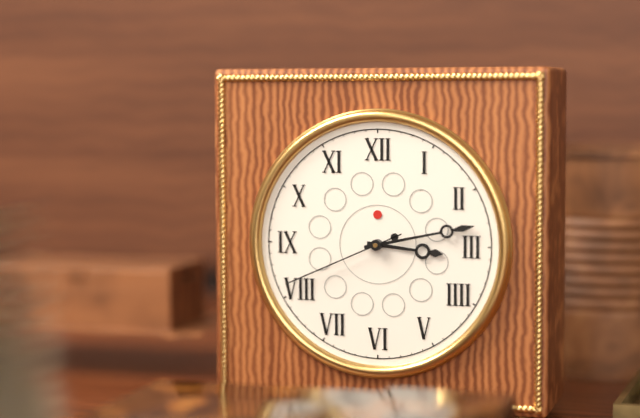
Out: 3,13,41
